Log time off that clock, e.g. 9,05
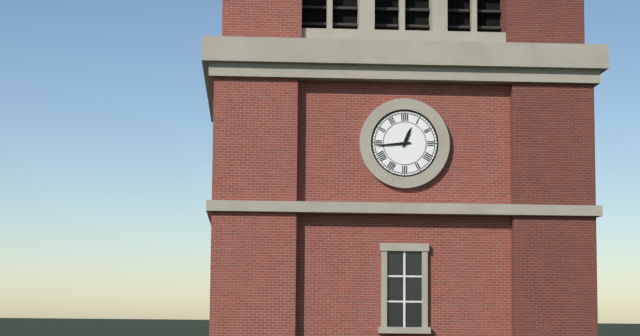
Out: 12,44
